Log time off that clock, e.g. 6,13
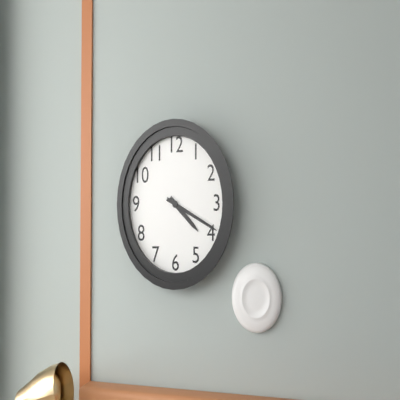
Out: 4,19
